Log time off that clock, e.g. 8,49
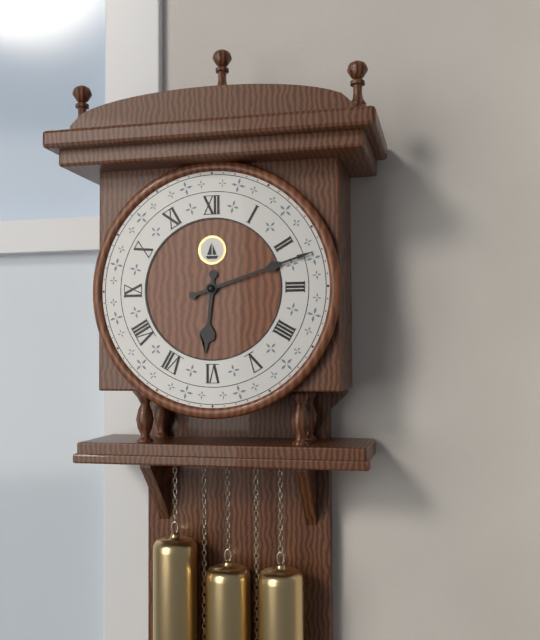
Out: 6,12
